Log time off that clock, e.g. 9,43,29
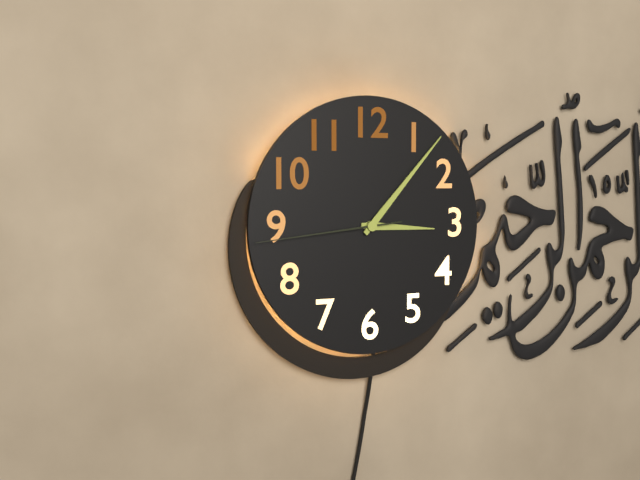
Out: 3,07,44
